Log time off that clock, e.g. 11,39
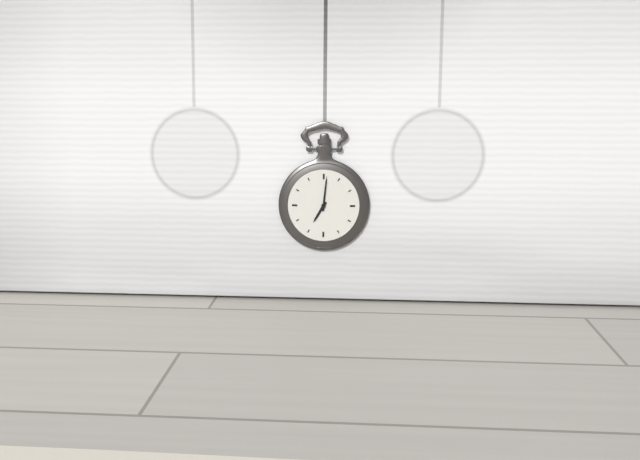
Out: 7,01
